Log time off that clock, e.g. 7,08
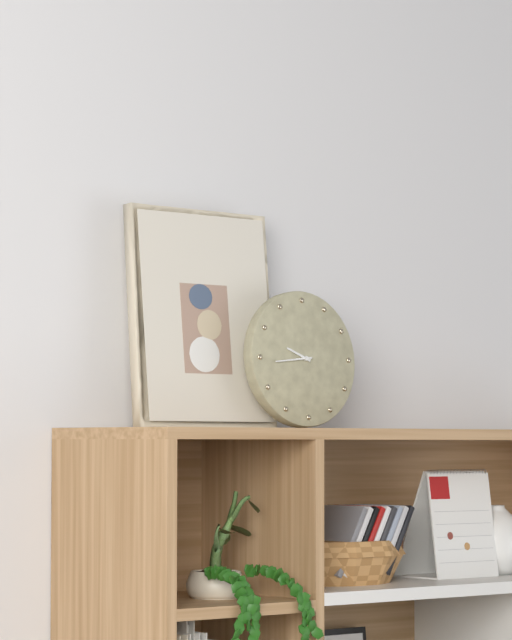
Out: 9,44
